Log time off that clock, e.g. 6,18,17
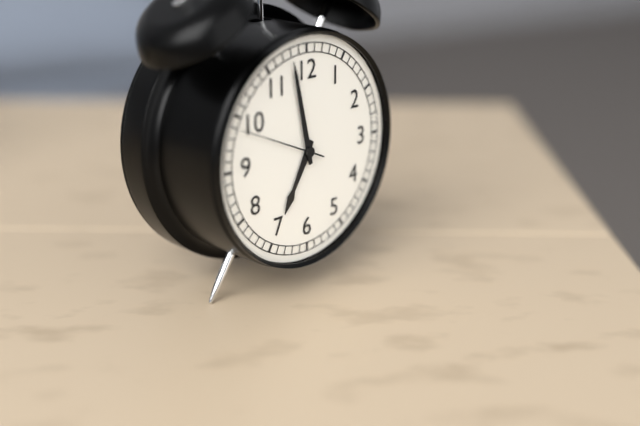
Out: 6,58,49
